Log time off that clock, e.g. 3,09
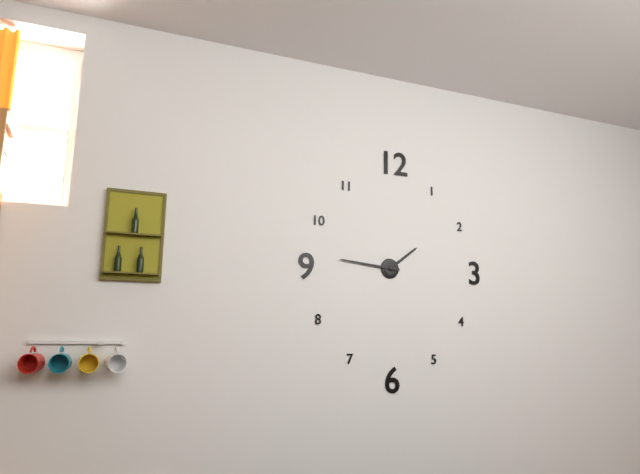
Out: 1,46
